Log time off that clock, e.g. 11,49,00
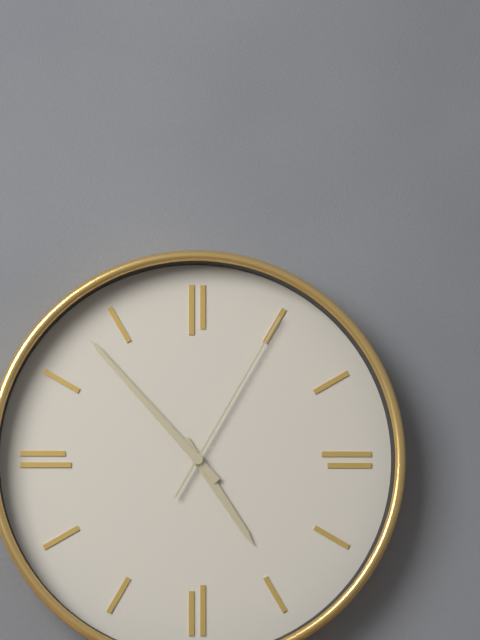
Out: 4,53,05
